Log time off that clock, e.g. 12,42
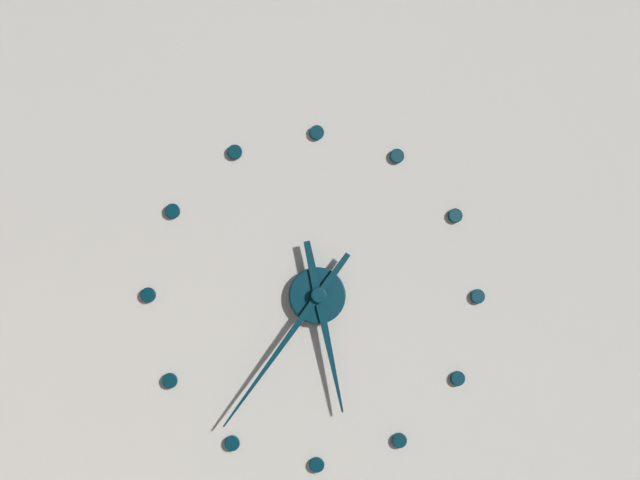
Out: 5,36
